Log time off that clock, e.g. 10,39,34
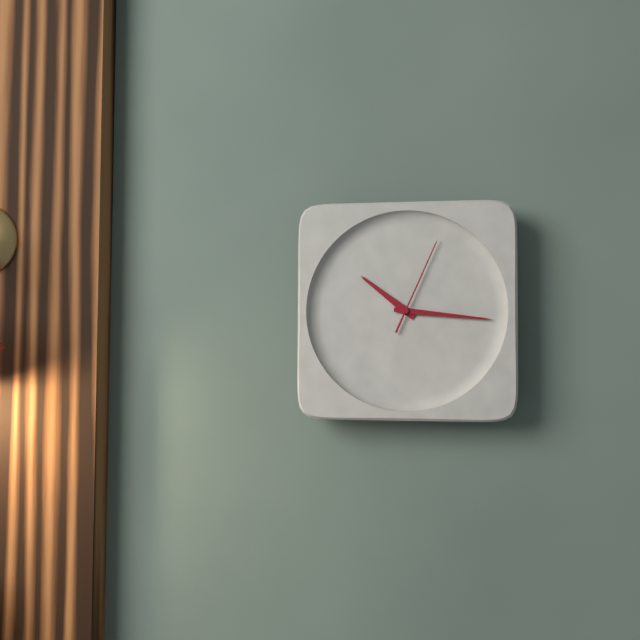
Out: 10,16,04
